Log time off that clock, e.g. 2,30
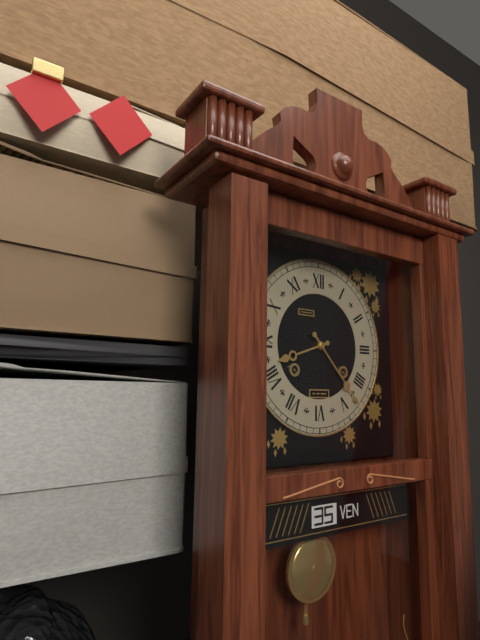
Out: 8,23
